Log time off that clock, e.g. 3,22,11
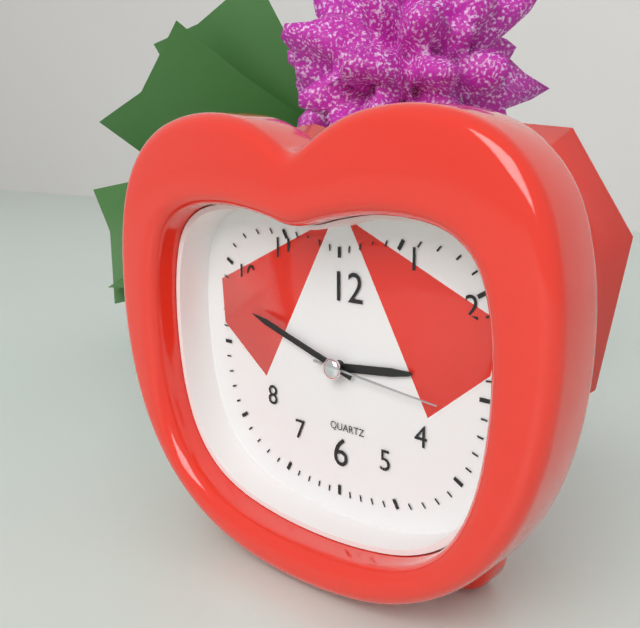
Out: 2,48,16
